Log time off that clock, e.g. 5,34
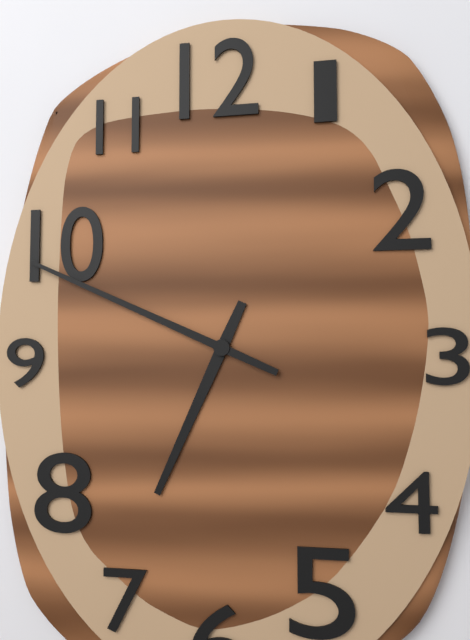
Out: 6,49
